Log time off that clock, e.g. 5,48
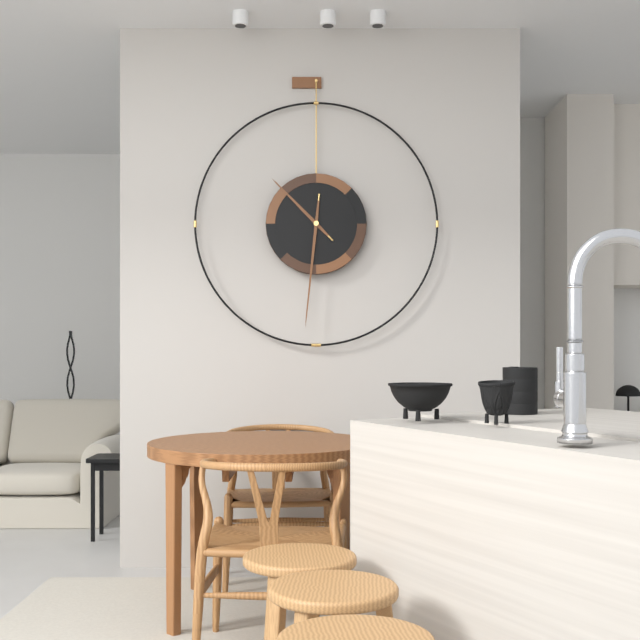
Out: 10,31
